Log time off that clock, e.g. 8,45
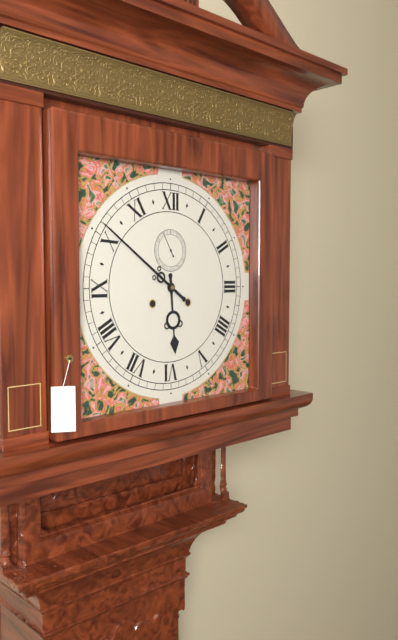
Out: 5,51
